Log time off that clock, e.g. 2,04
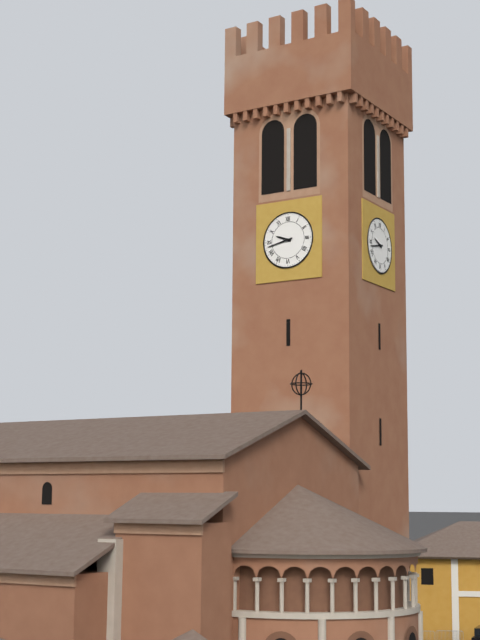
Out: 9,43
